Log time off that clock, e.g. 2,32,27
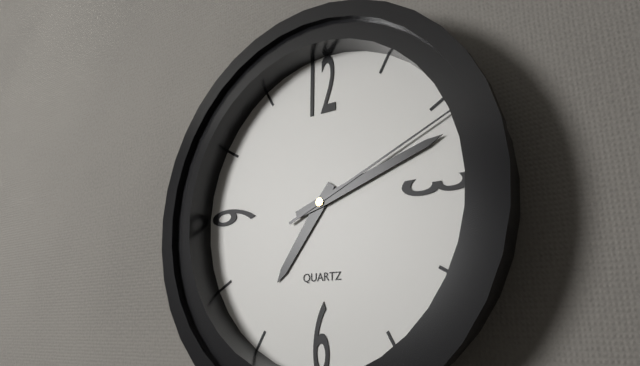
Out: 7,12,11
